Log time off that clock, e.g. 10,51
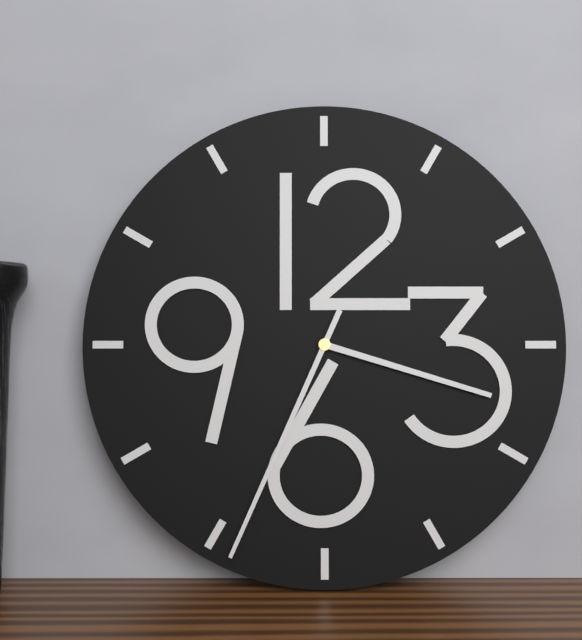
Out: 3,34
